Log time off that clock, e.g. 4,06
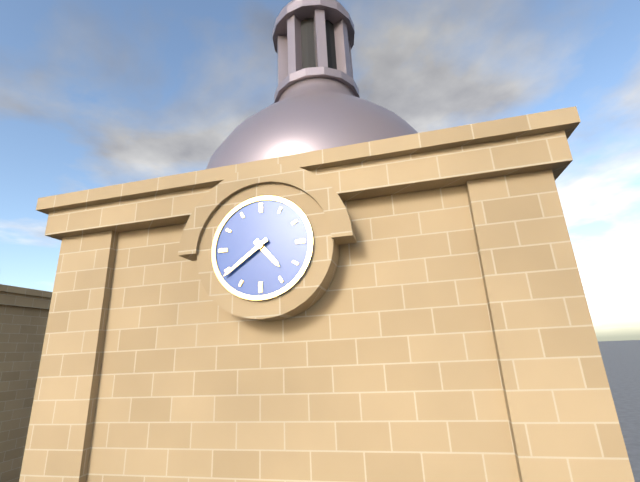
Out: 4,39
